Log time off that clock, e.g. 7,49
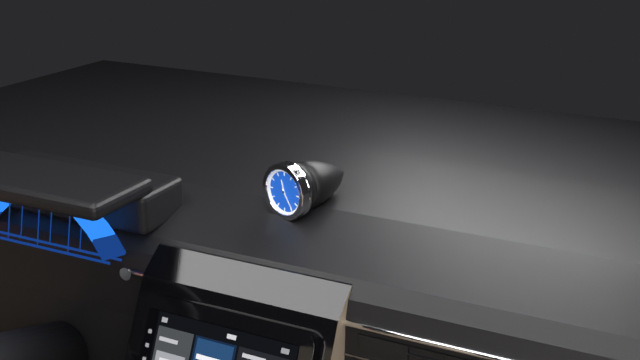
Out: 11,24
